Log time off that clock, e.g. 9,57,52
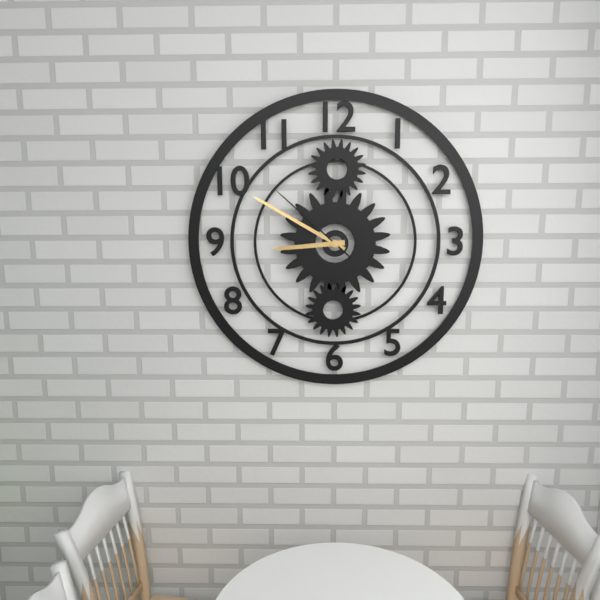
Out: 8,50,52
